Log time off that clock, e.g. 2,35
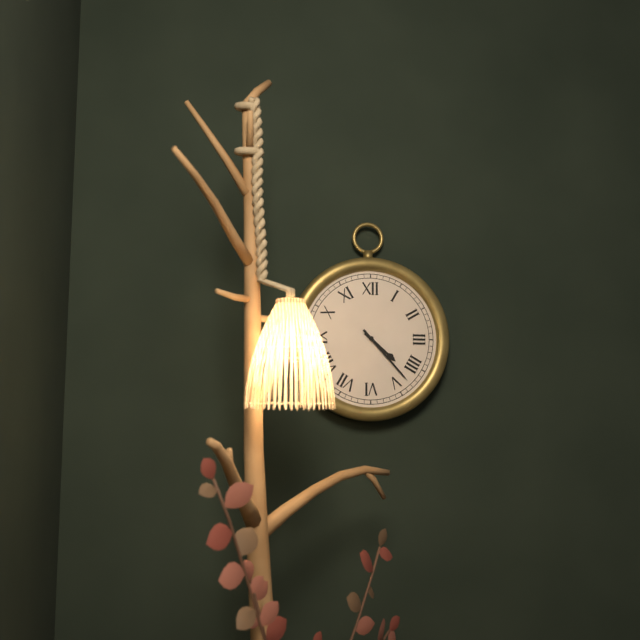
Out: 4,23
